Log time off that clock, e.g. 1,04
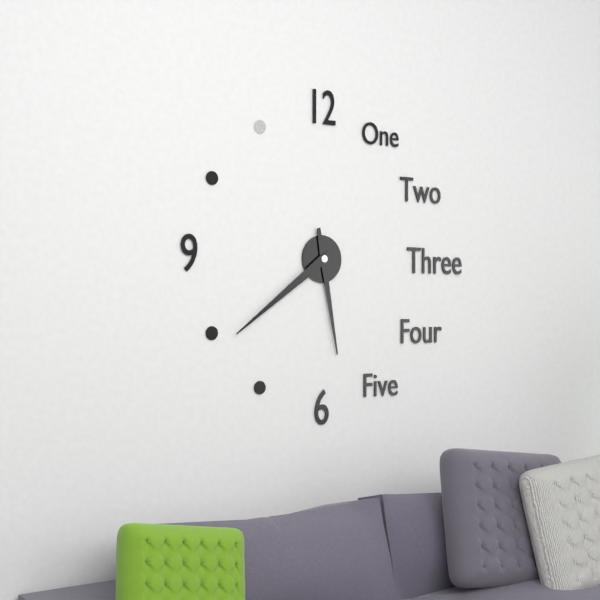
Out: 5,39
